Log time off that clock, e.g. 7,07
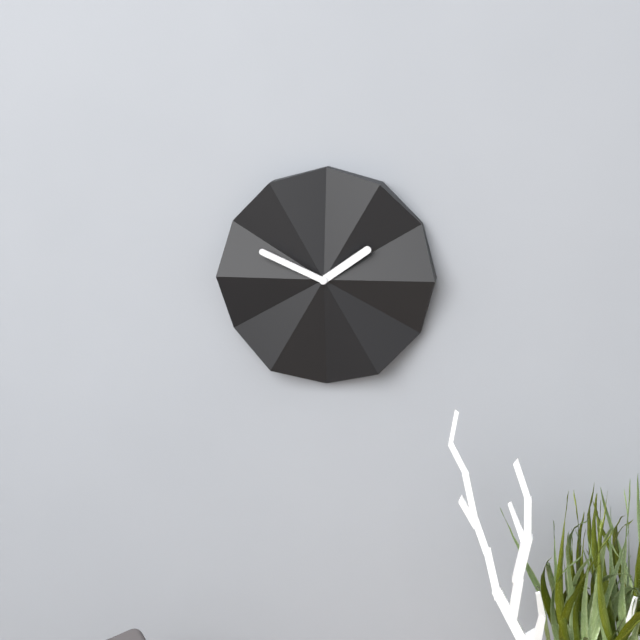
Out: 1,49
